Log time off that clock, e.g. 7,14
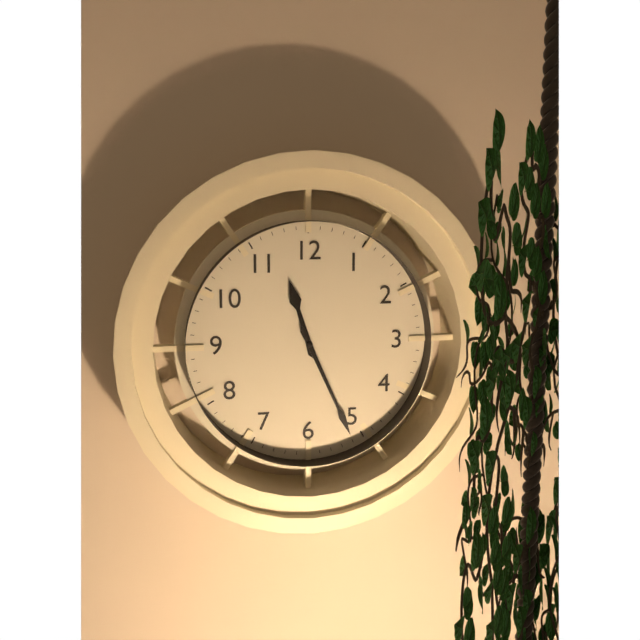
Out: 11,26
